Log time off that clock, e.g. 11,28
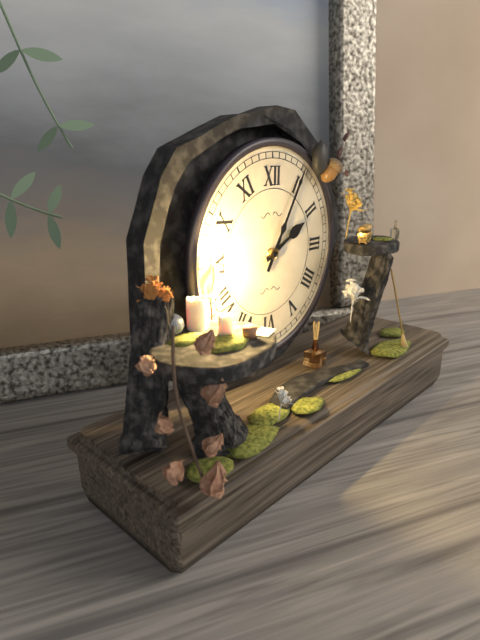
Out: 2,05
